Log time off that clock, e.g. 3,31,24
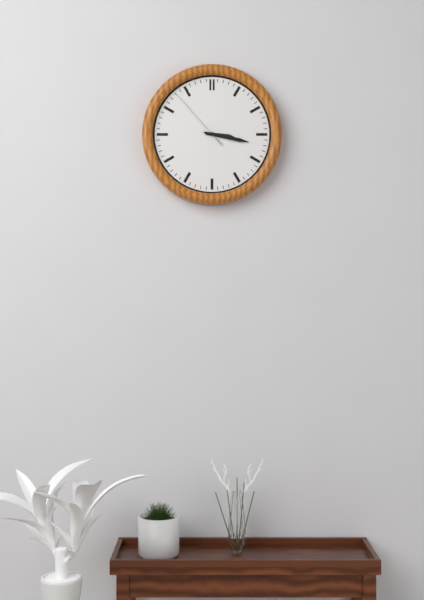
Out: 3,17,53
